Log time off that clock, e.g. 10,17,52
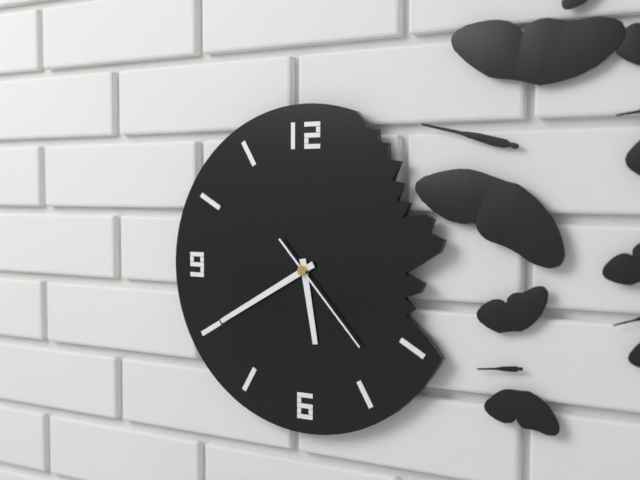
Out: 5,40,23
